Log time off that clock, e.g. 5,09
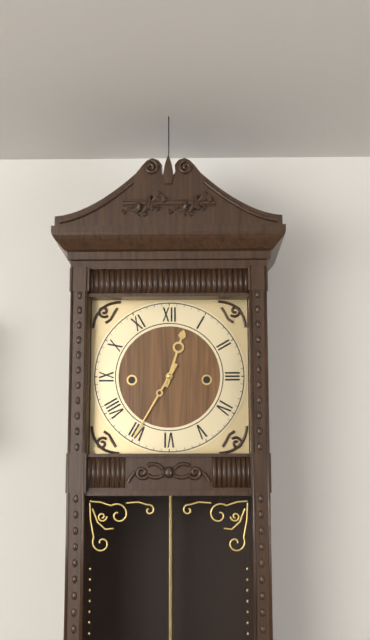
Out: 12,35
